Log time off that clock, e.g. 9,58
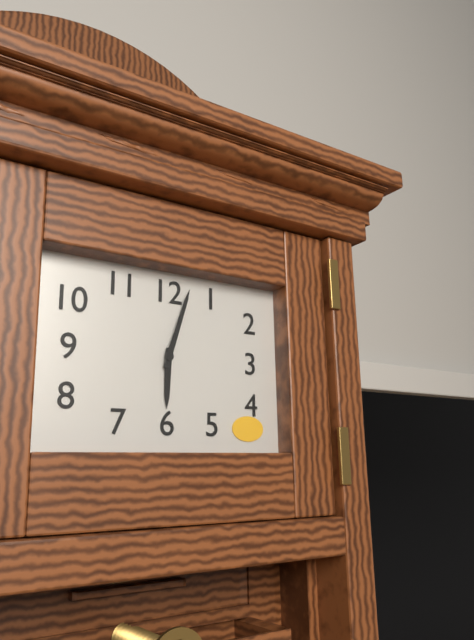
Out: 6,03
